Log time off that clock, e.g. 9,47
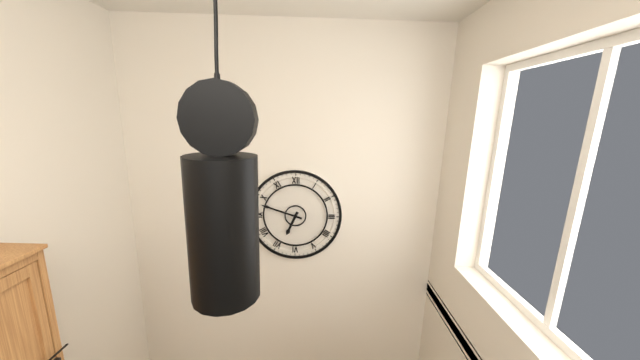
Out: 6,48
